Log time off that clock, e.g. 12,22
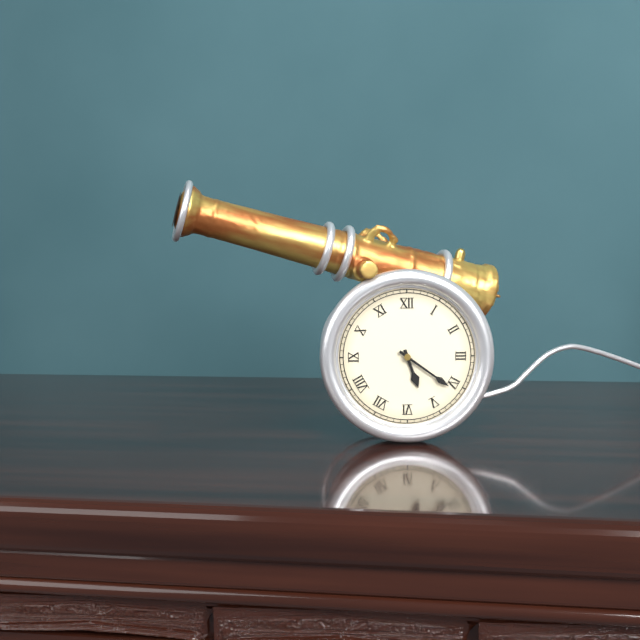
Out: 5,21
